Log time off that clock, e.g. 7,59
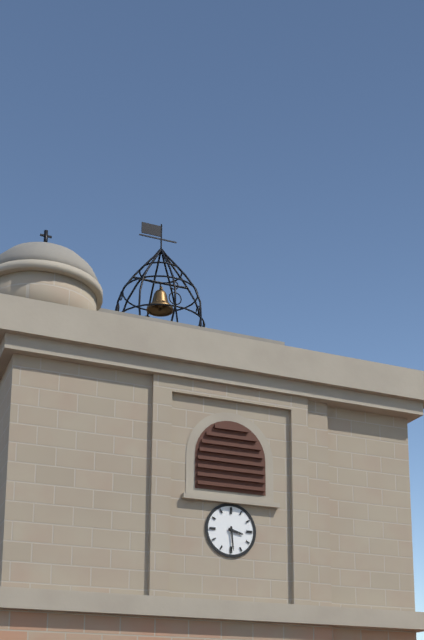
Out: 3,29
